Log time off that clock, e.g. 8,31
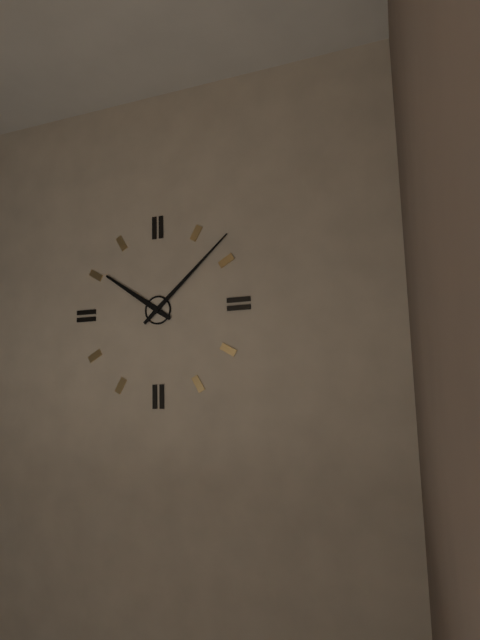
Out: 10,08
